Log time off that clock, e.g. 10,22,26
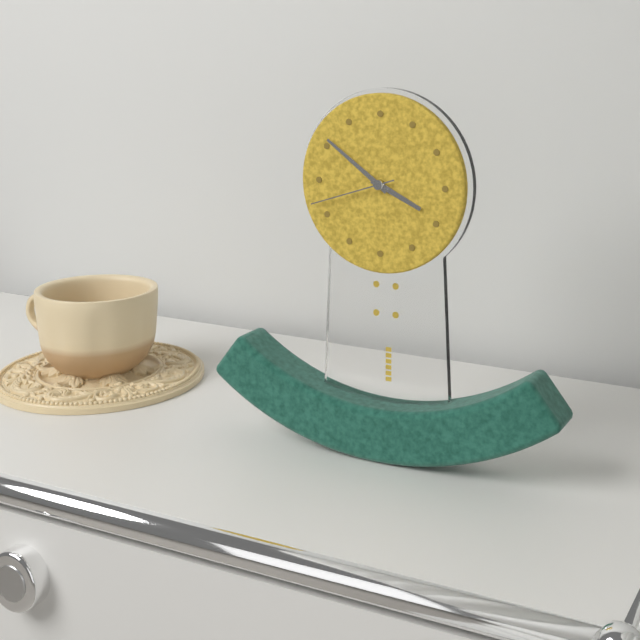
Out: 3,51,42
